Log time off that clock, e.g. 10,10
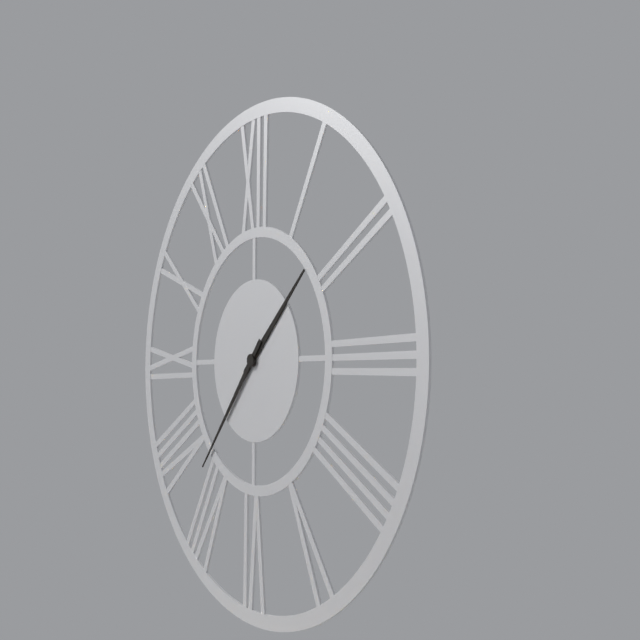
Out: 1,37
